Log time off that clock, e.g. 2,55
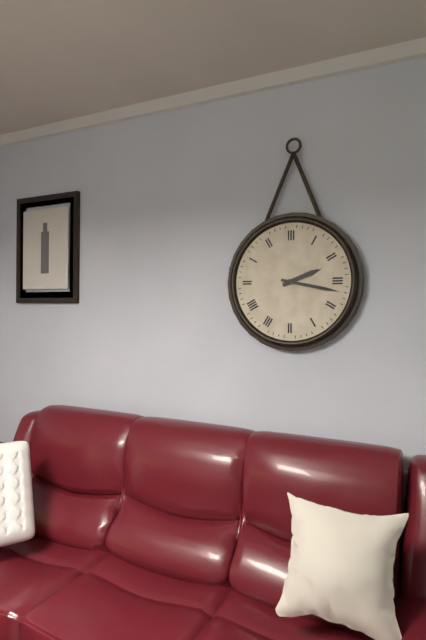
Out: 2,17
